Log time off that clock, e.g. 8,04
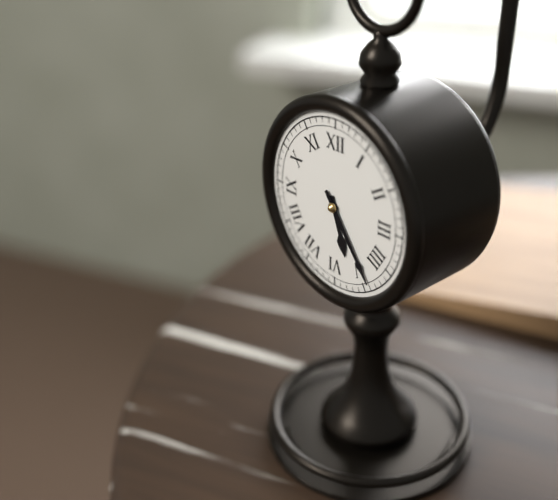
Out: 5,24
